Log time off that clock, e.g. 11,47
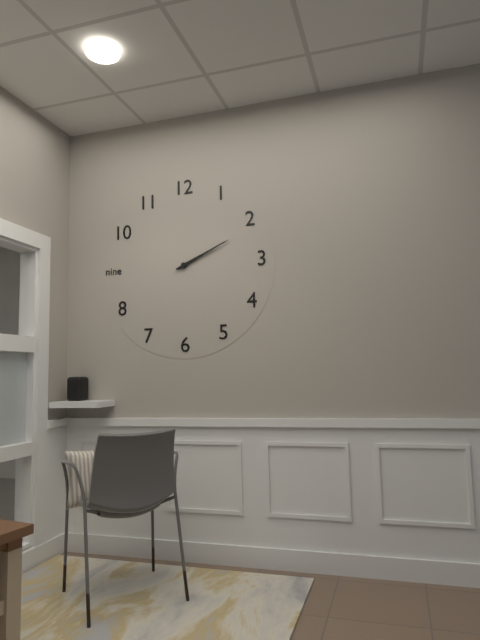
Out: 2,11
